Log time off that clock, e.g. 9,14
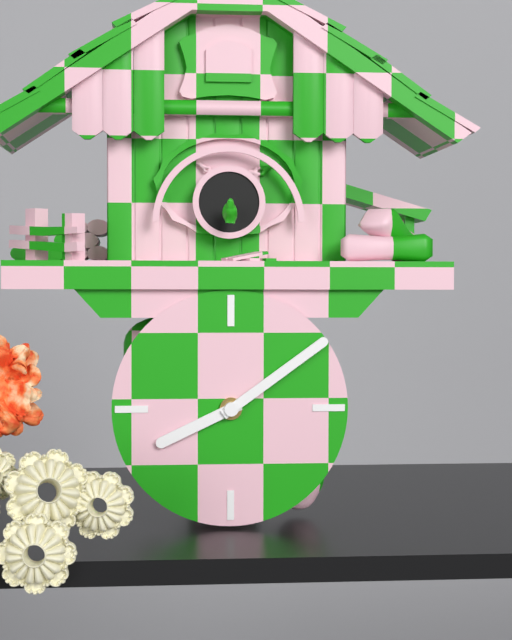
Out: 8,09
